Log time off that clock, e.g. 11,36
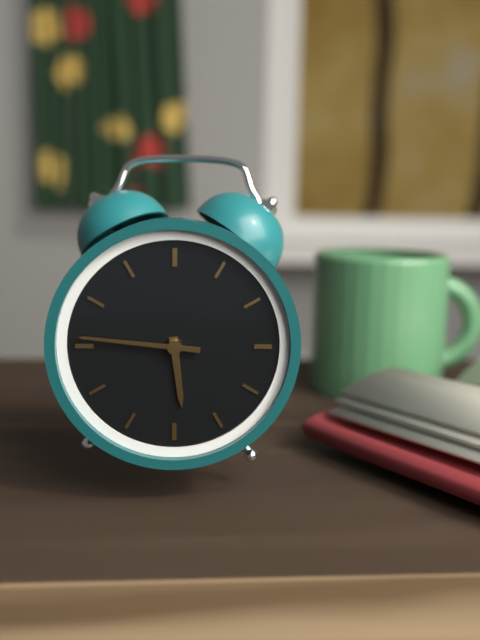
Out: 5,46
